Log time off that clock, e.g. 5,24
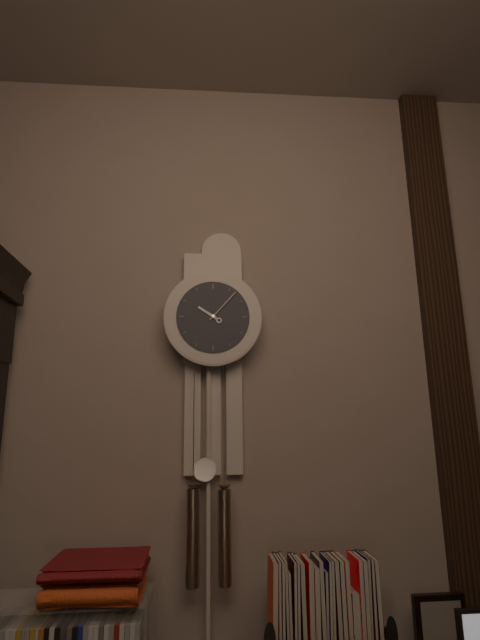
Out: 10,07
